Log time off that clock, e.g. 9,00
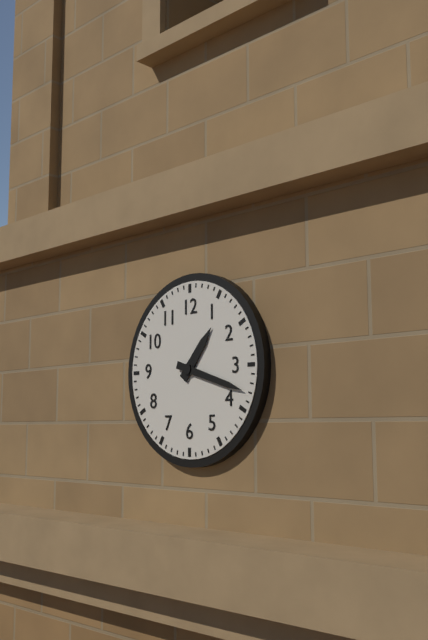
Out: 1,18
